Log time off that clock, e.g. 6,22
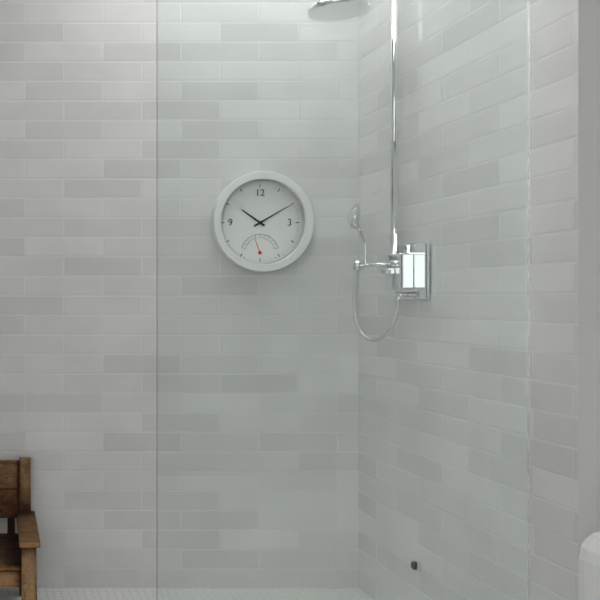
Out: 10,10
